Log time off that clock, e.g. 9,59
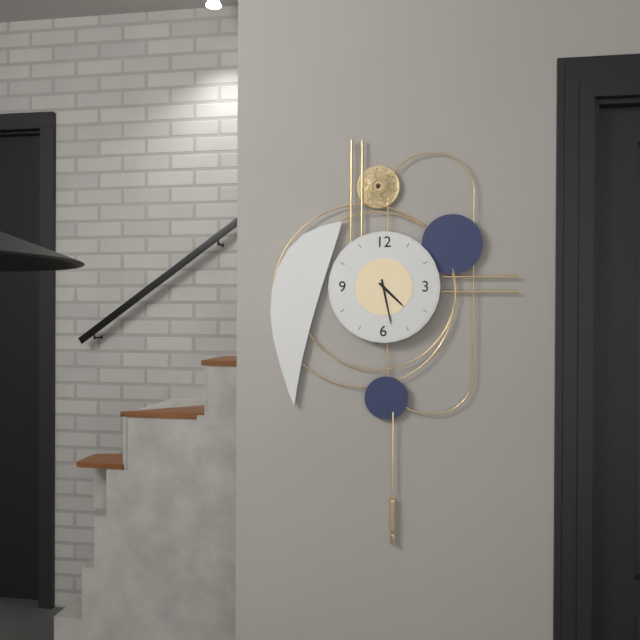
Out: 4,28
